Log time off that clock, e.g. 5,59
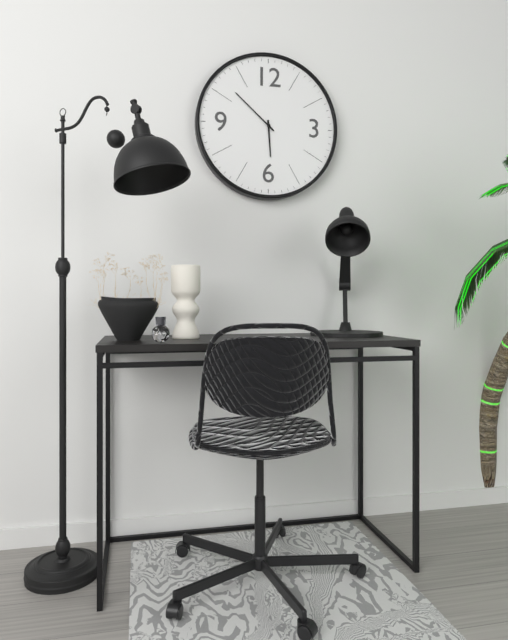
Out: 5,52
